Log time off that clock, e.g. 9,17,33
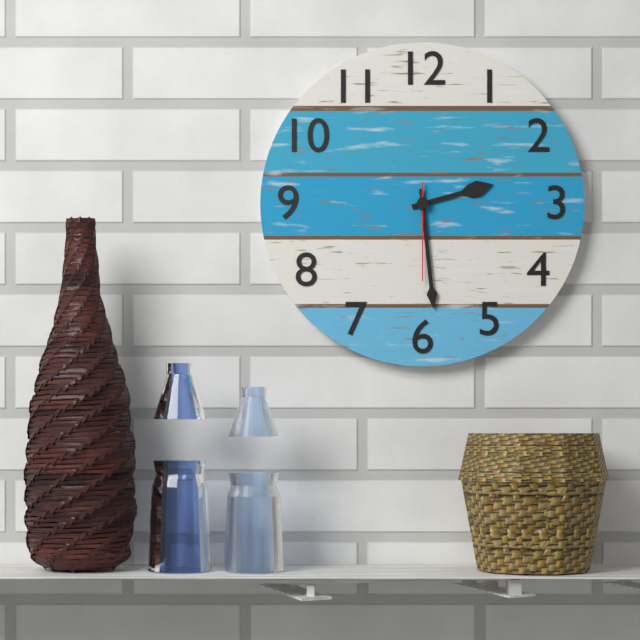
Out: 2,29,30
